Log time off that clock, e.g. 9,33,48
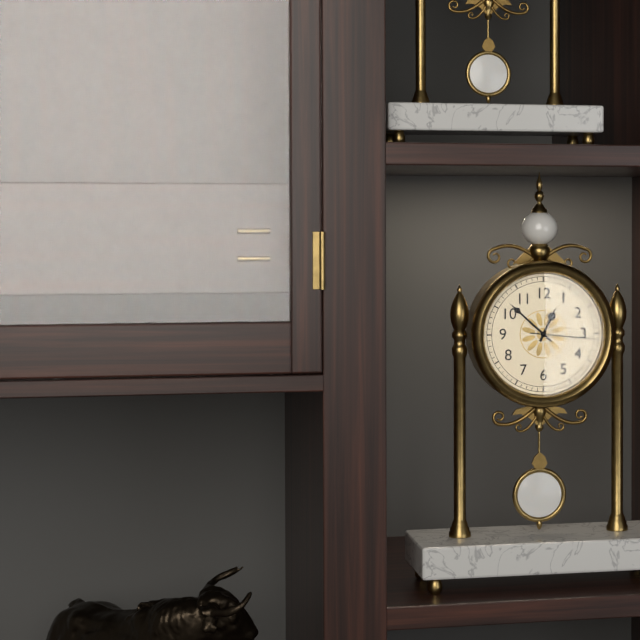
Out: 12,52,16
